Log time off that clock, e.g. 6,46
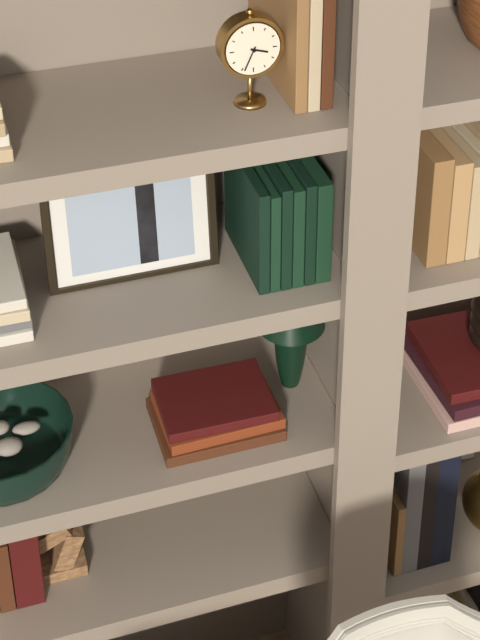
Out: 3,34
